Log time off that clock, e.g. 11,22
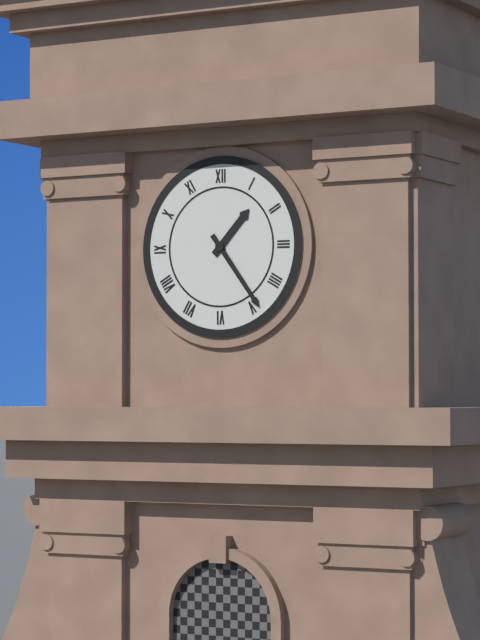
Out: 1,24
